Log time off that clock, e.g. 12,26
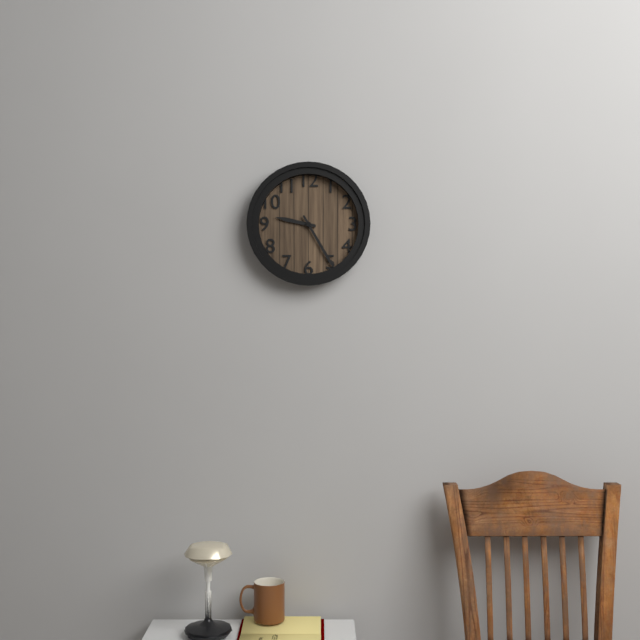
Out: 9,25
